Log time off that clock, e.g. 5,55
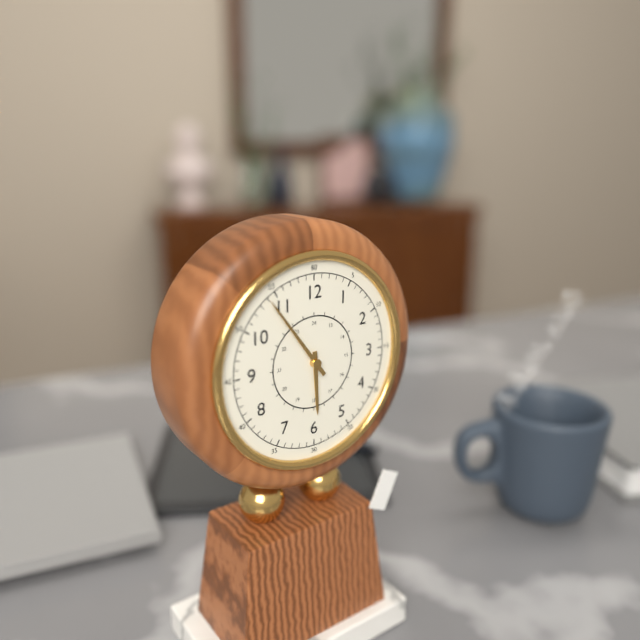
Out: 5,54
